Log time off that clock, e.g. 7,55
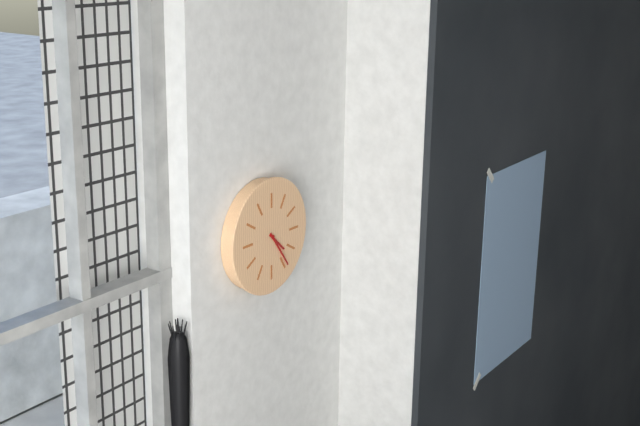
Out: 4,24
